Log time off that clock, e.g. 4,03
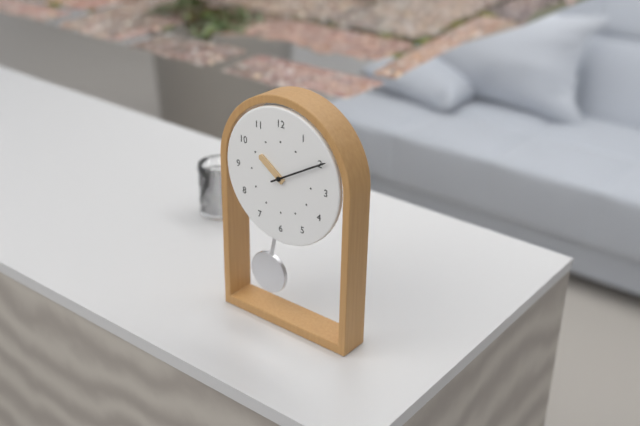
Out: 10,10
